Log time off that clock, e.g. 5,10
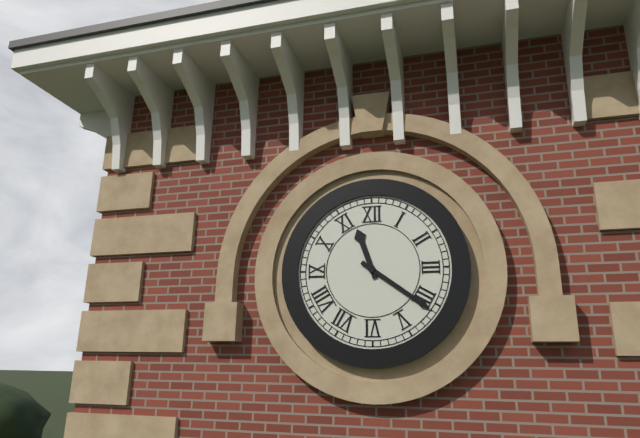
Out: 11,21
